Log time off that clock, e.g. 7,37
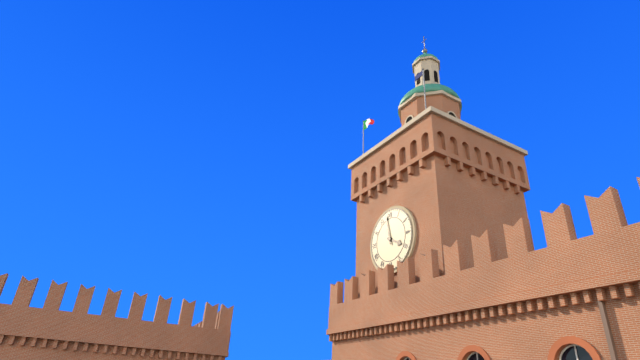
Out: 3,58
